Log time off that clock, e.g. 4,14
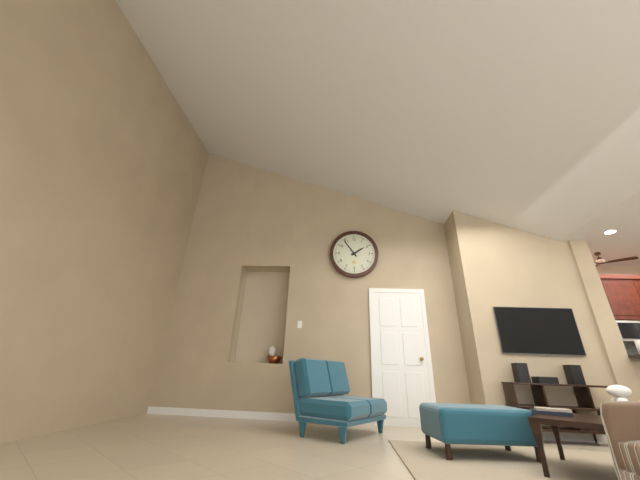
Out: 1,54
